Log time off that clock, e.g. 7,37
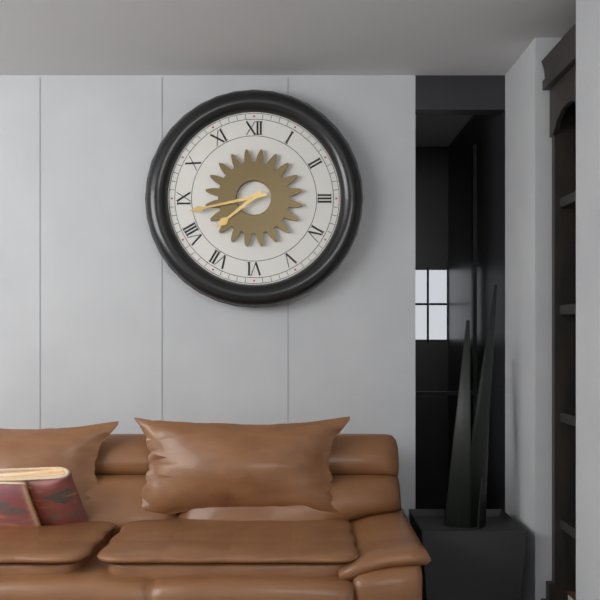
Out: 7,43
